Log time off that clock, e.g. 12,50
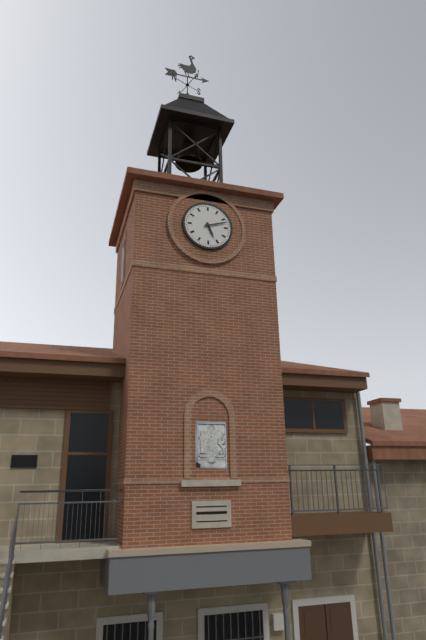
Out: 5,12
